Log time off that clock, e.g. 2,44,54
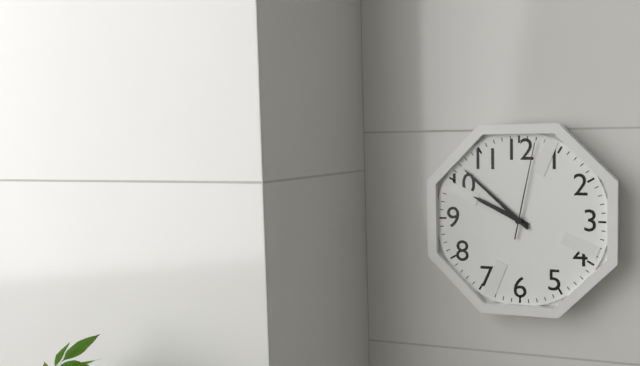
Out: 9,52,02
